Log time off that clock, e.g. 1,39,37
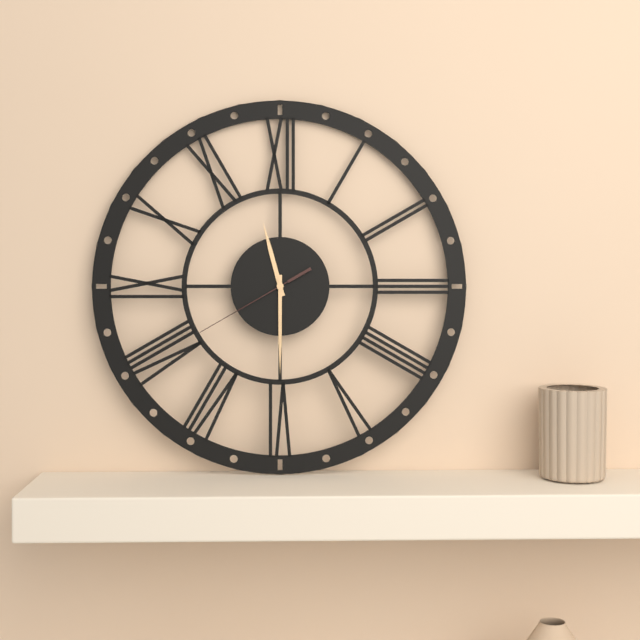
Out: 11,30,40
